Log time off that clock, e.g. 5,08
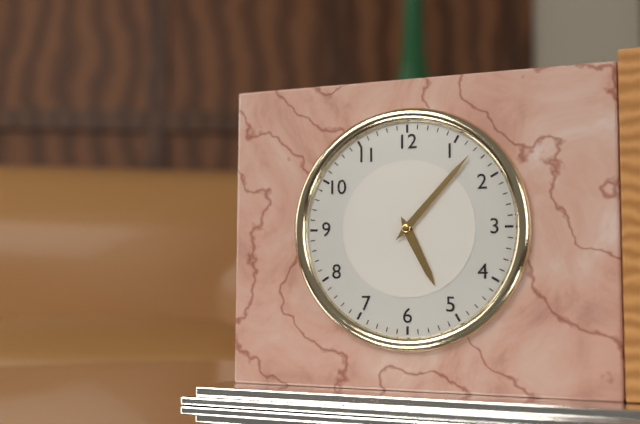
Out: 5,07
